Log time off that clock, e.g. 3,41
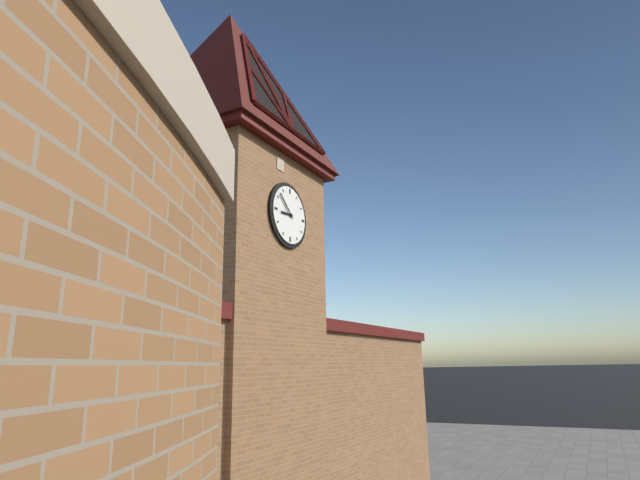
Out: 8,52
